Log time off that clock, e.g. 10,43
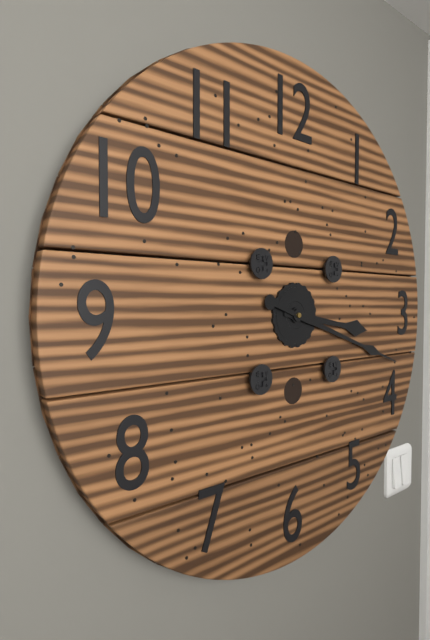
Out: 3,18
